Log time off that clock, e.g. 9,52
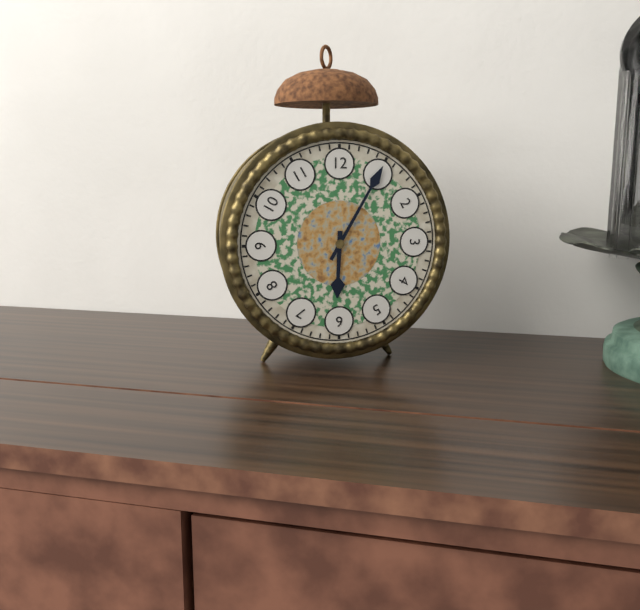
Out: 6,05
